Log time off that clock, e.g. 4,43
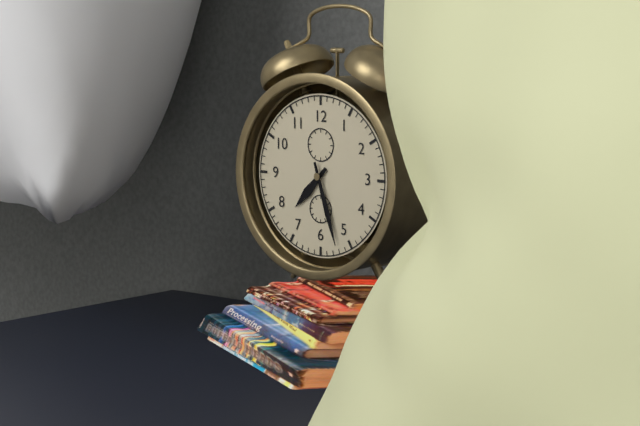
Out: 7,27
